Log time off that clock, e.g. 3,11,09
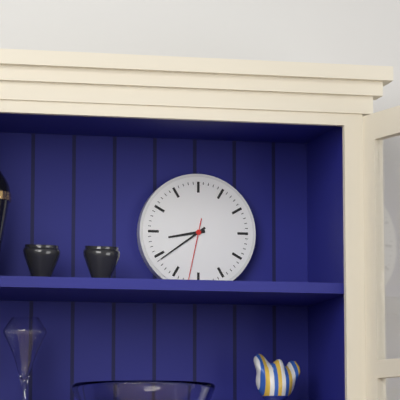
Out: 8,39,32
